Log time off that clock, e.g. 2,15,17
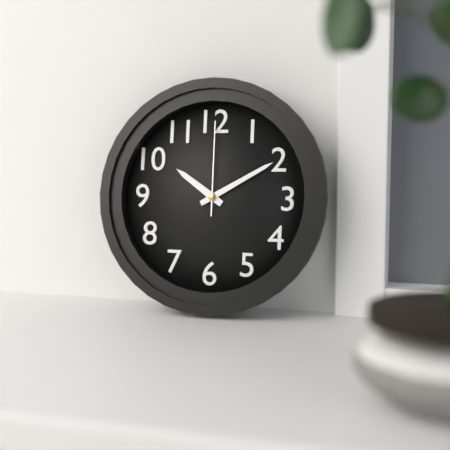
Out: 10,10,00
